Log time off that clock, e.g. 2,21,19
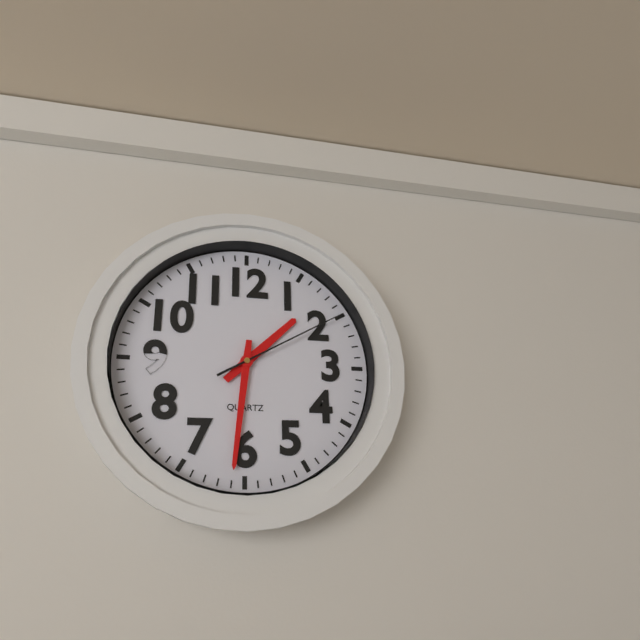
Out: 1,31,10
